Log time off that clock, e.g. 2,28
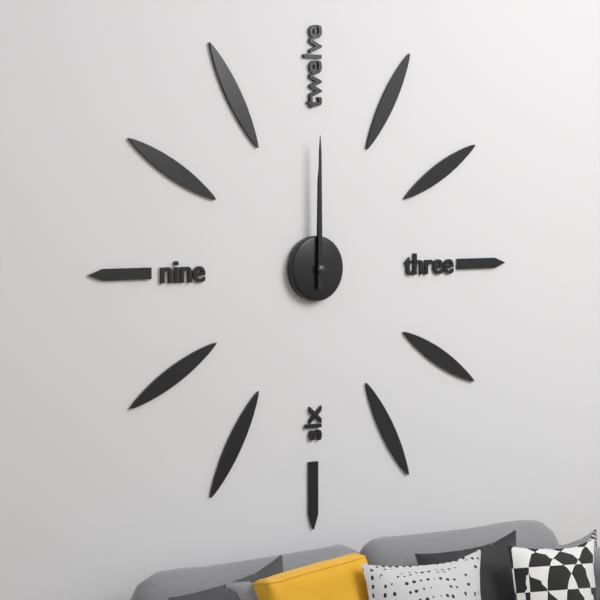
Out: 12,00
